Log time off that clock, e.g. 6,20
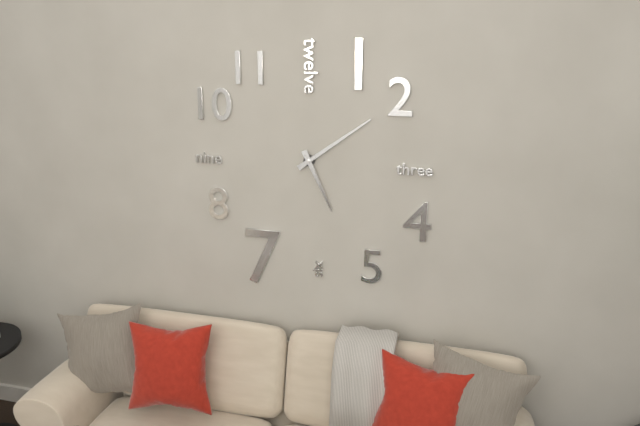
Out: 5,09
